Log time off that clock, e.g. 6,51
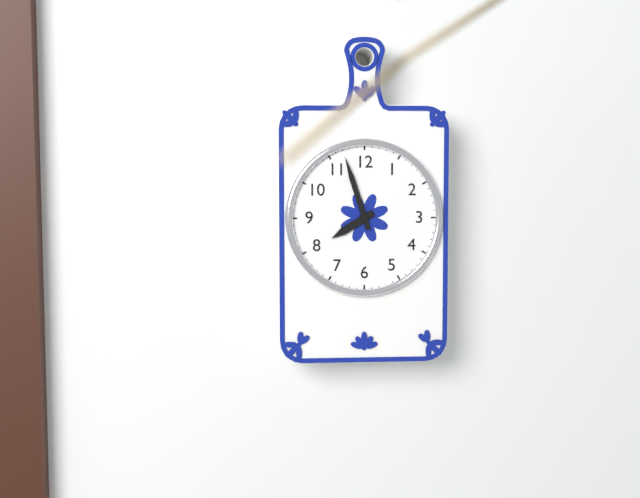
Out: 7,57
